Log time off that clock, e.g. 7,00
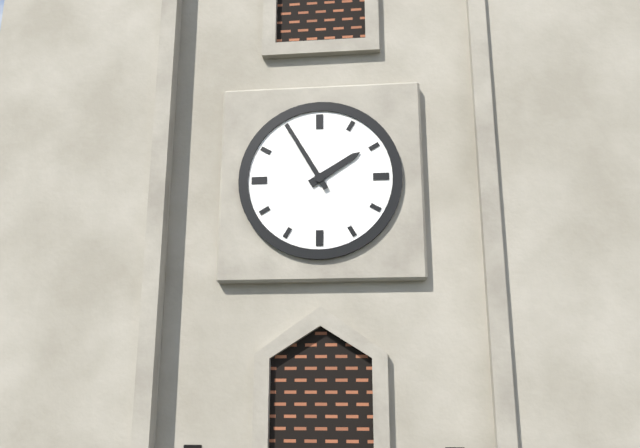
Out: 1,55
